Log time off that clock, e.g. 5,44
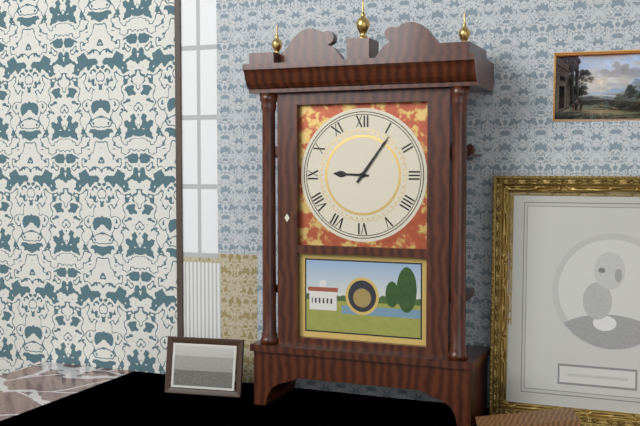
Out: 9,06
